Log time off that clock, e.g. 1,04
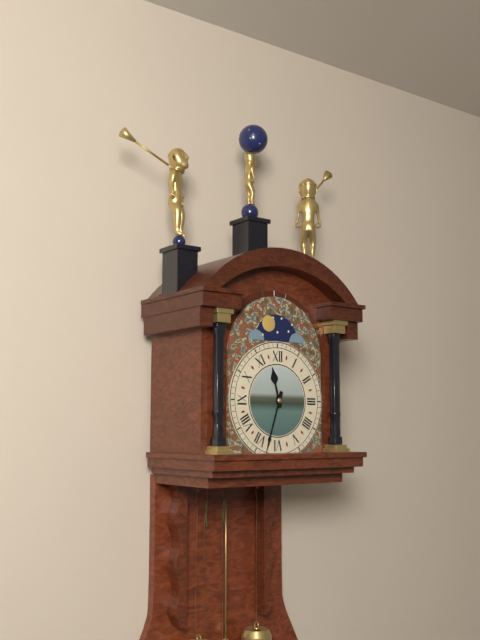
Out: 11,33
